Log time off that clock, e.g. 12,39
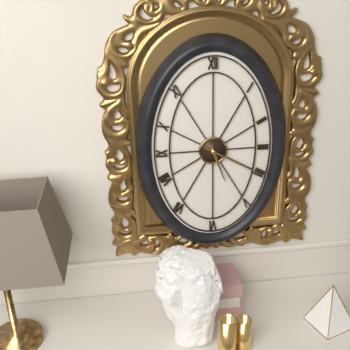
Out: 5,20
